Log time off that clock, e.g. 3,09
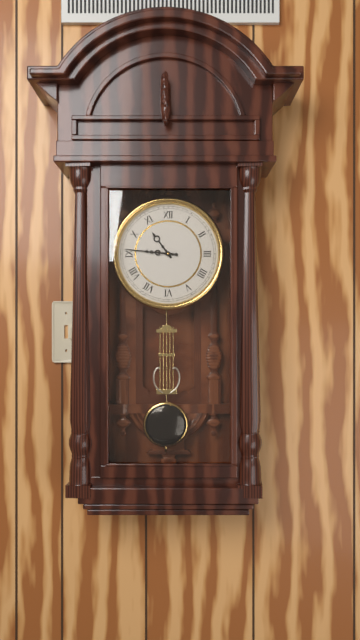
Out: 10,46
